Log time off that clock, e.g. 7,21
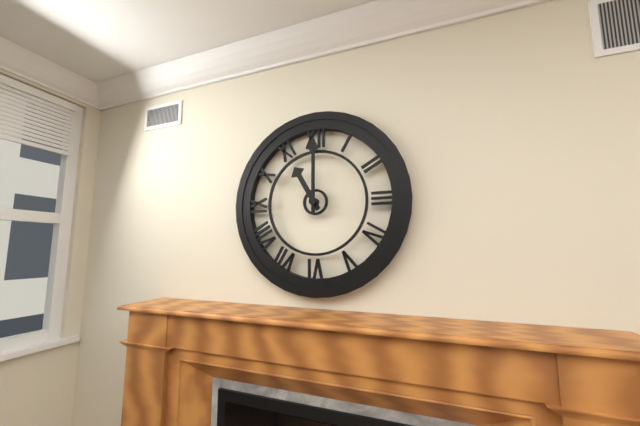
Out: 11,00
